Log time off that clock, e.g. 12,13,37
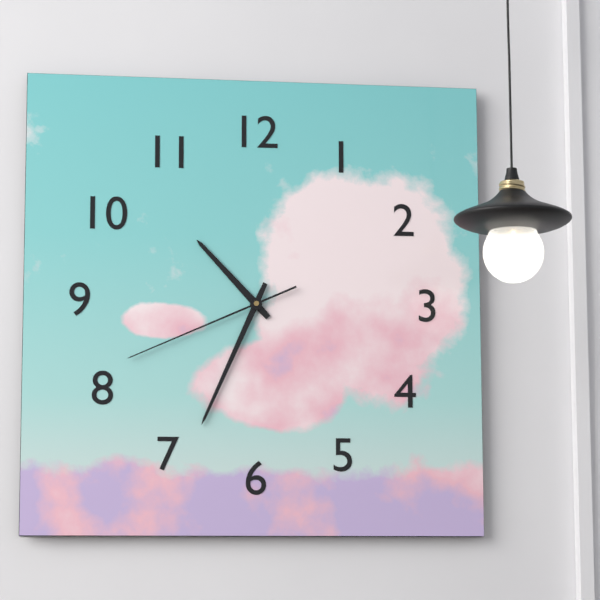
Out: 10,34,41
